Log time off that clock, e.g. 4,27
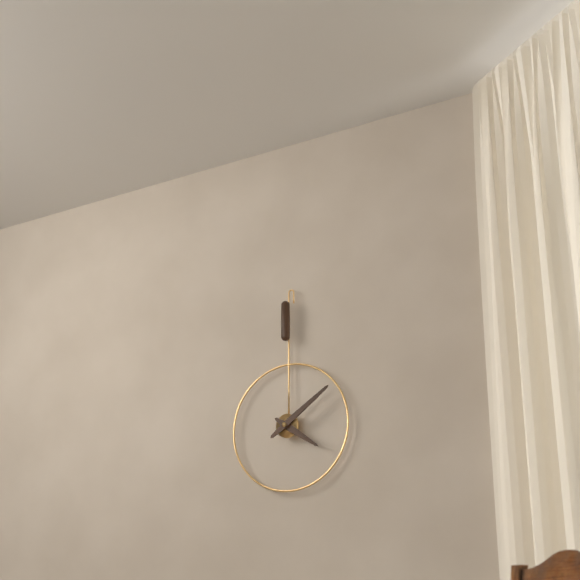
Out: 4,09
